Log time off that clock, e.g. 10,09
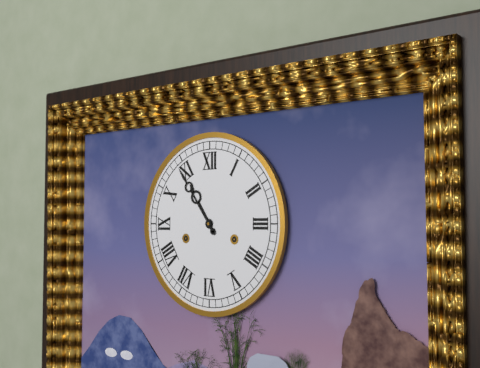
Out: 10,54
